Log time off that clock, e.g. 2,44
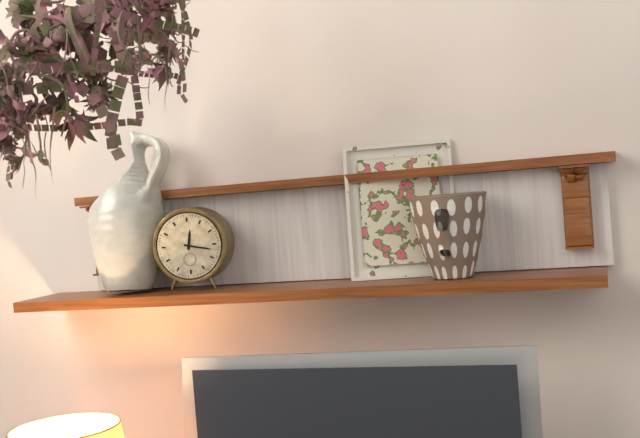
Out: 12,17
